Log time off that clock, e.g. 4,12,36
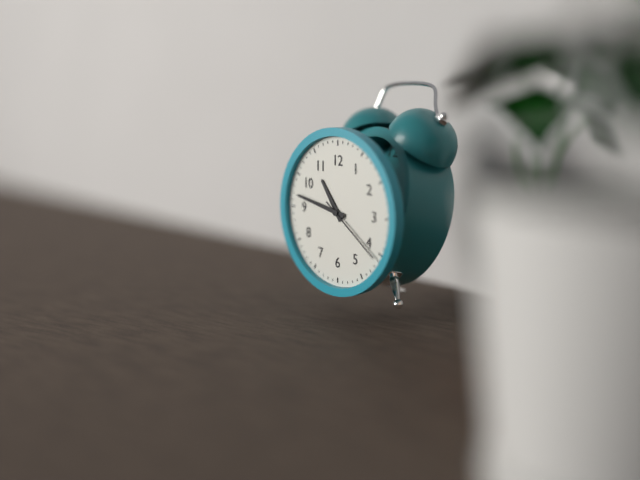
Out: 10,47,21
